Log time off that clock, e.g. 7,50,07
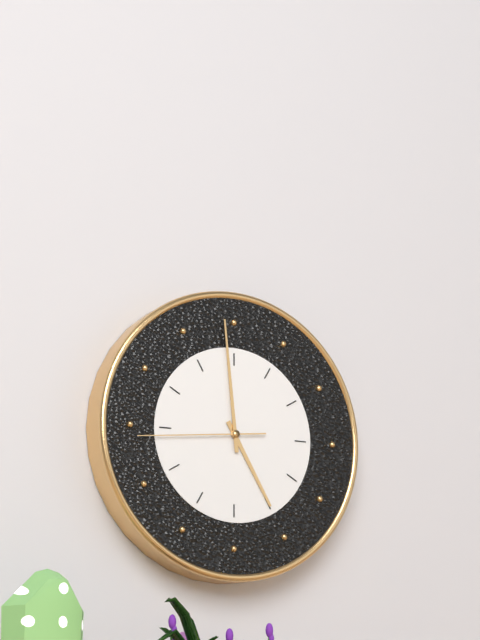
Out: 4,59,44
